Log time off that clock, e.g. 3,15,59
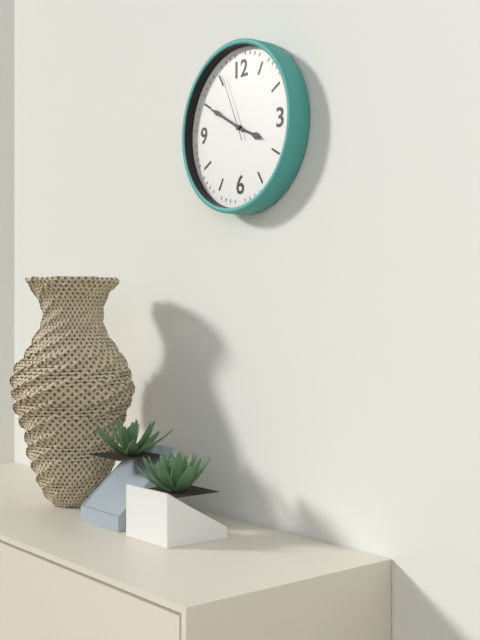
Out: 3,50,56
